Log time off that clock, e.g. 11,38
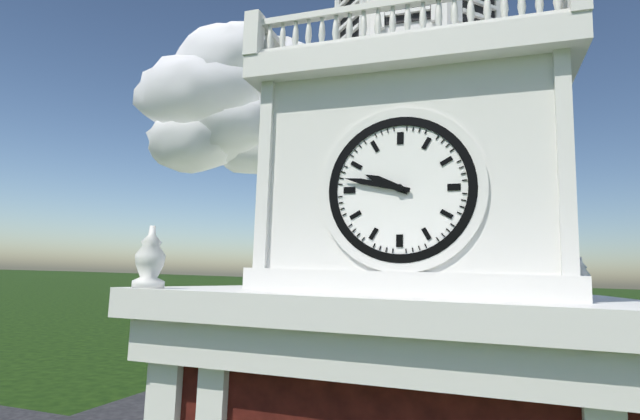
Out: 9,47
